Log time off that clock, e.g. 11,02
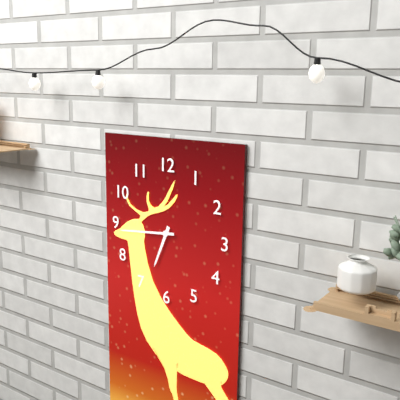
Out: 6,44
